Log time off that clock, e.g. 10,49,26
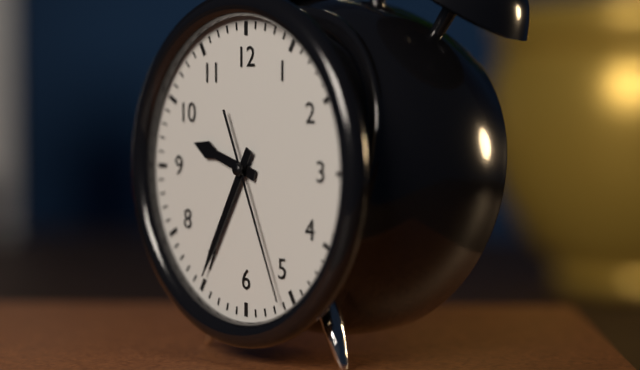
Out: 9,35,26
